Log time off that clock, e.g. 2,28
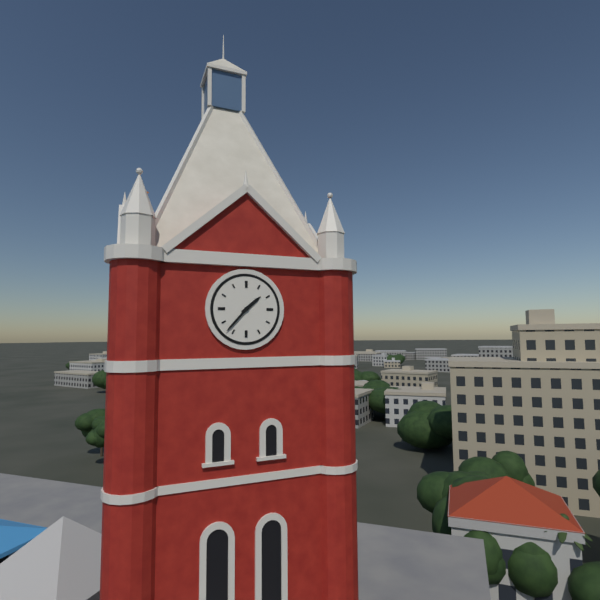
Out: 1,37
